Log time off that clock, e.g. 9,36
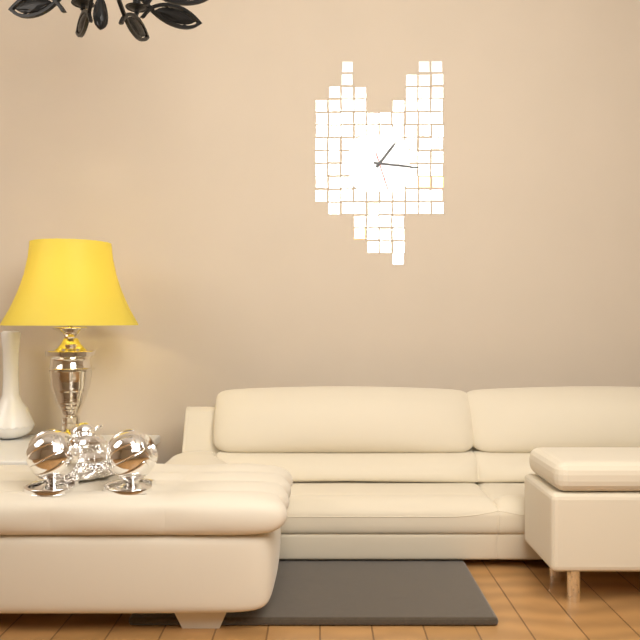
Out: 1,16
